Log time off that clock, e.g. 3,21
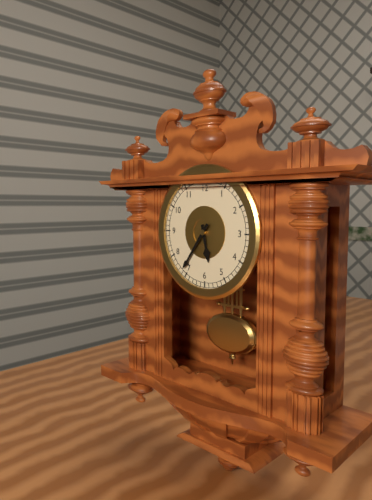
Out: 5,36
